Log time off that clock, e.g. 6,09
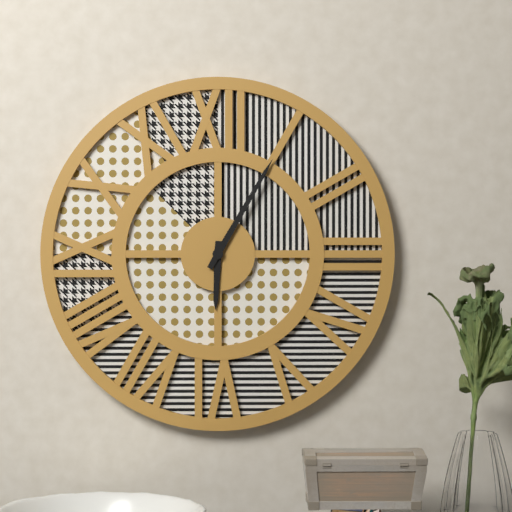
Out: 6,05
